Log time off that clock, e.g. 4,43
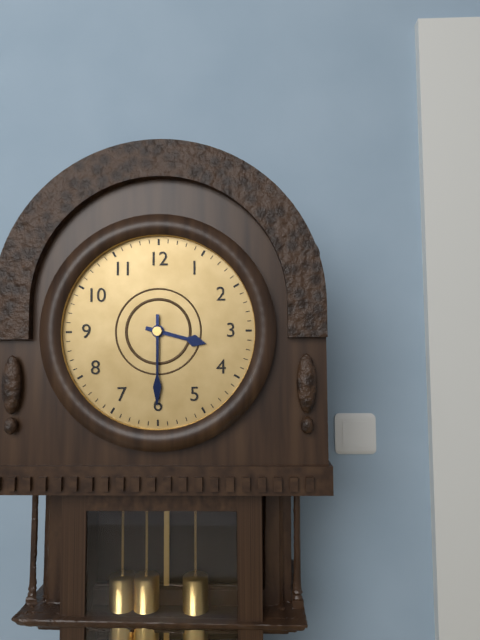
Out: 3,30
